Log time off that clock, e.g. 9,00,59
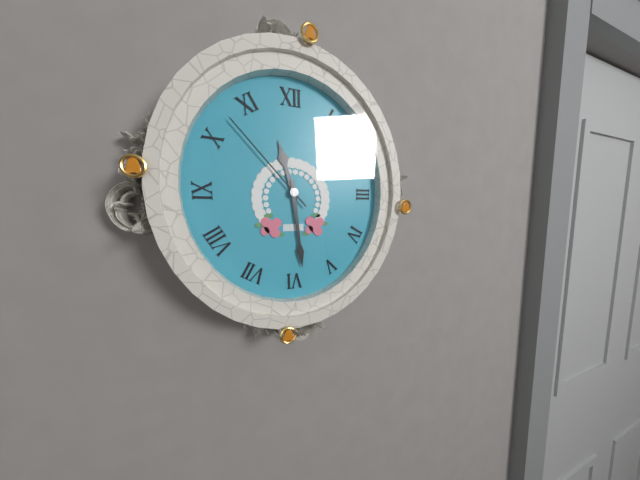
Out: 11,29,53
